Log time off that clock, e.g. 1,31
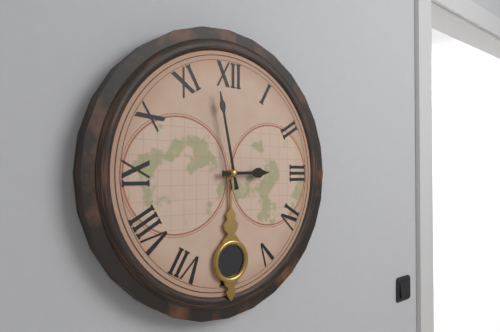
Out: 2,58
